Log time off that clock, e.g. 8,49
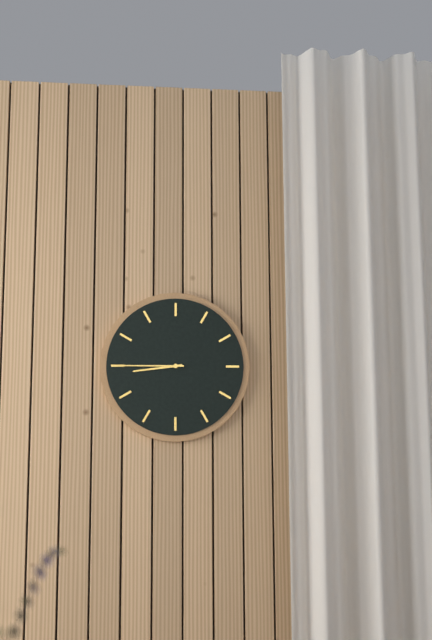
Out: 8,45
